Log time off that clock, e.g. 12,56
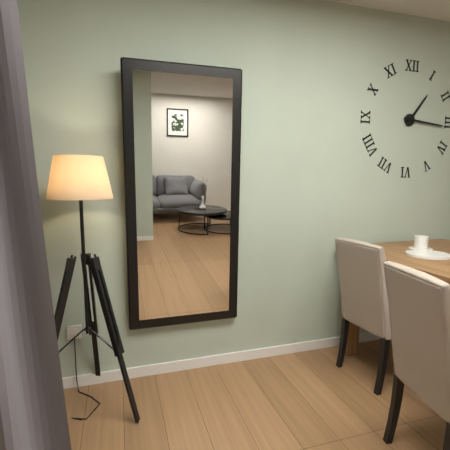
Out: 1,16
